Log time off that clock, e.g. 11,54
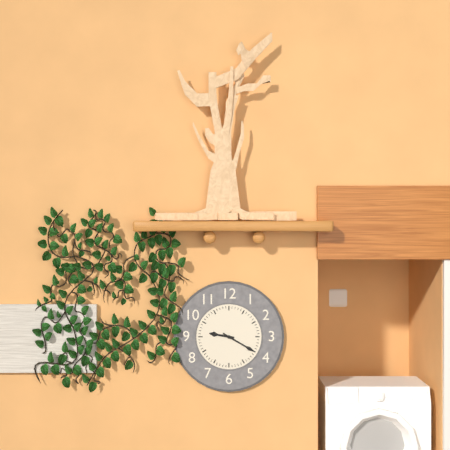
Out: 9,20
